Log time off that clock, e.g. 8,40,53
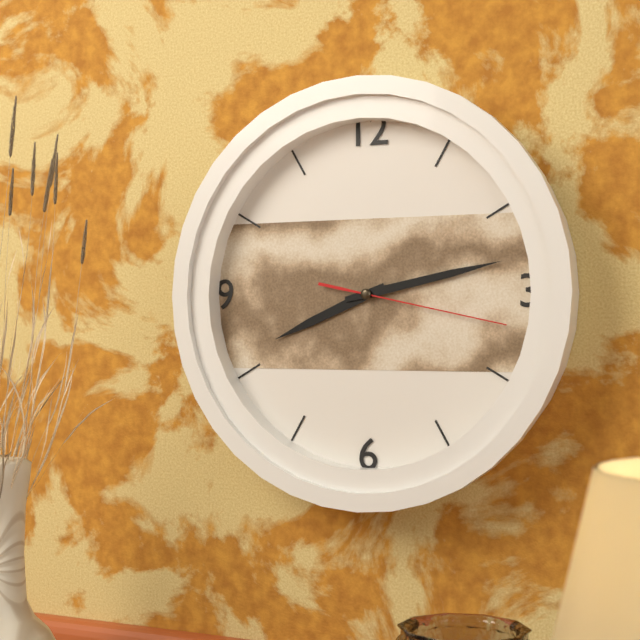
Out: 8,13,17
